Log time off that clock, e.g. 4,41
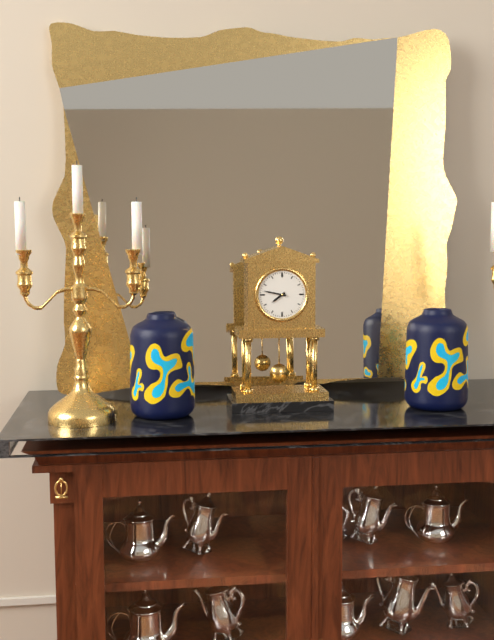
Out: 7,47
